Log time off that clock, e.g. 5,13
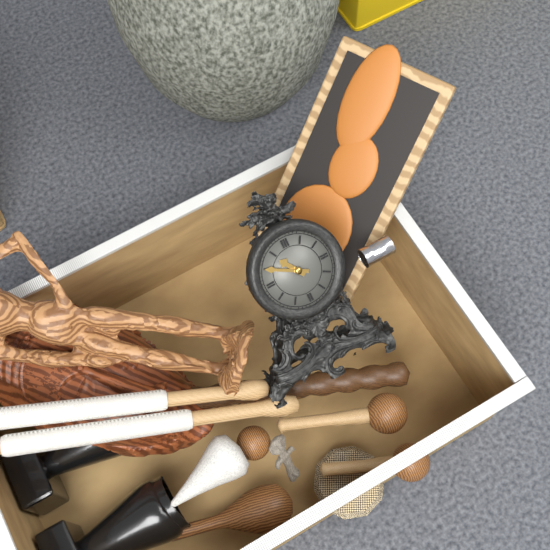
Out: 10,50
